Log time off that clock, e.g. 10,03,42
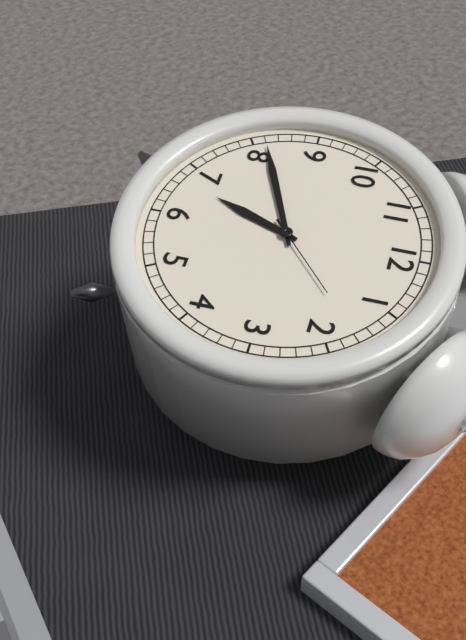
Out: 6,41,08
